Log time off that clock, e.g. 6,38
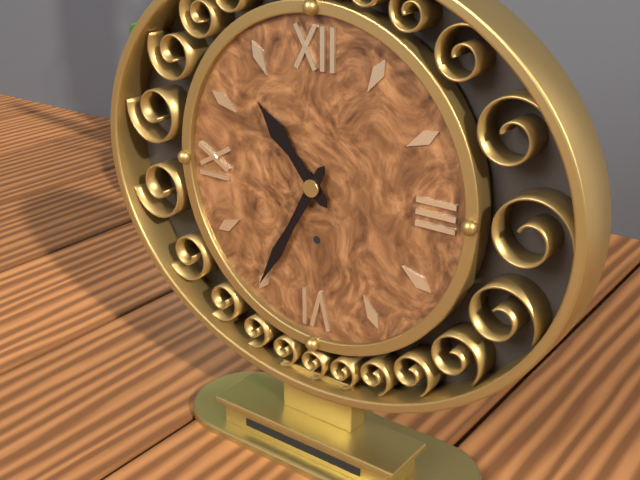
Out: 10,35
